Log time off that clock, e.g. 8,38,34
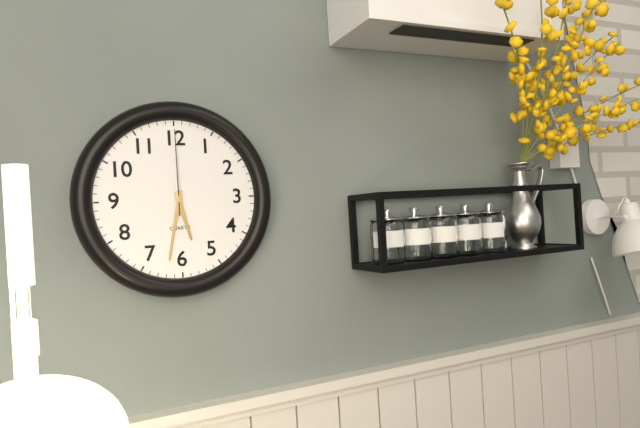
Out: 5,32,00
